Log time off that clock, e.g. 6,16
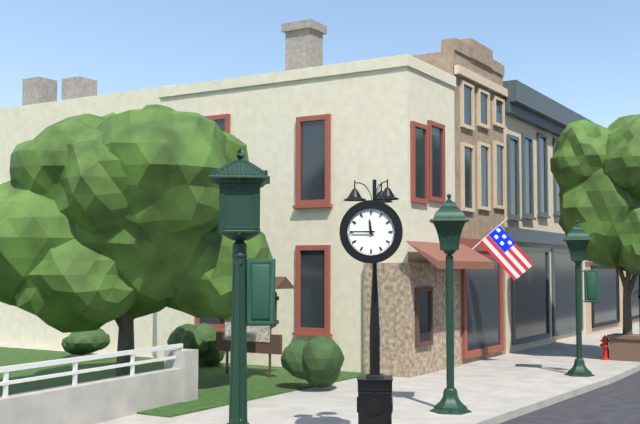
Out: 11,45
